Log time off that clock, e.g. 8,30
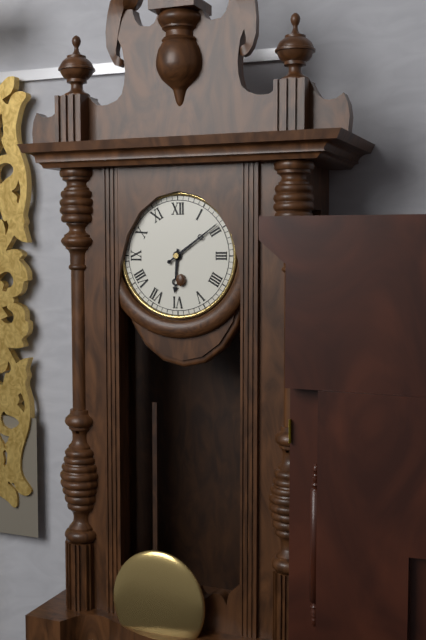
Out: 6,09
